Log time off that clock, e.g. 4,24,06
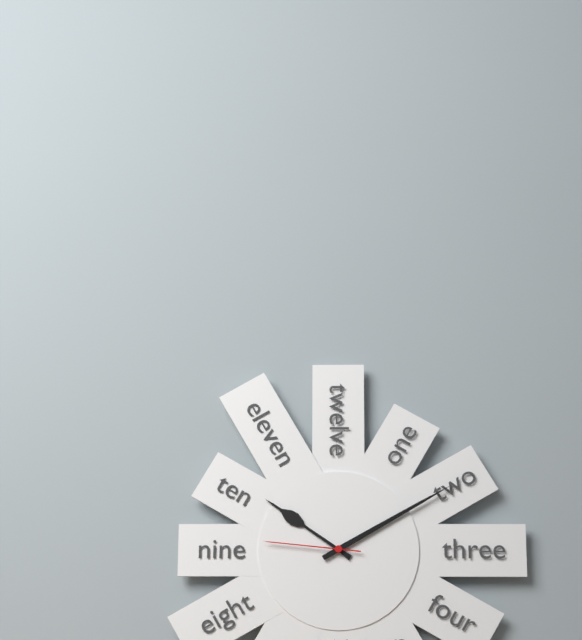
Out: 10,10,46
